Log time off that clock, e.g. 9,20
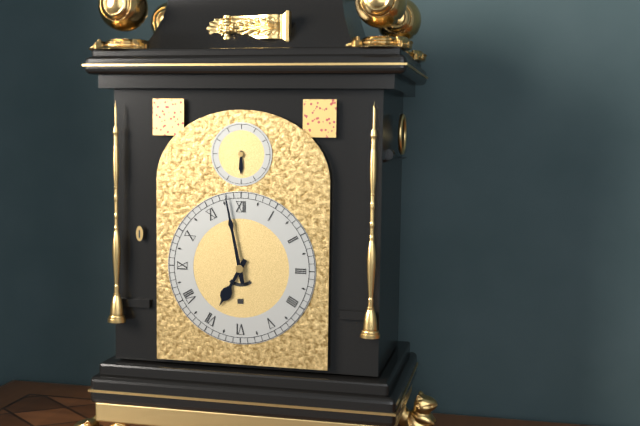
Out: 6,58
